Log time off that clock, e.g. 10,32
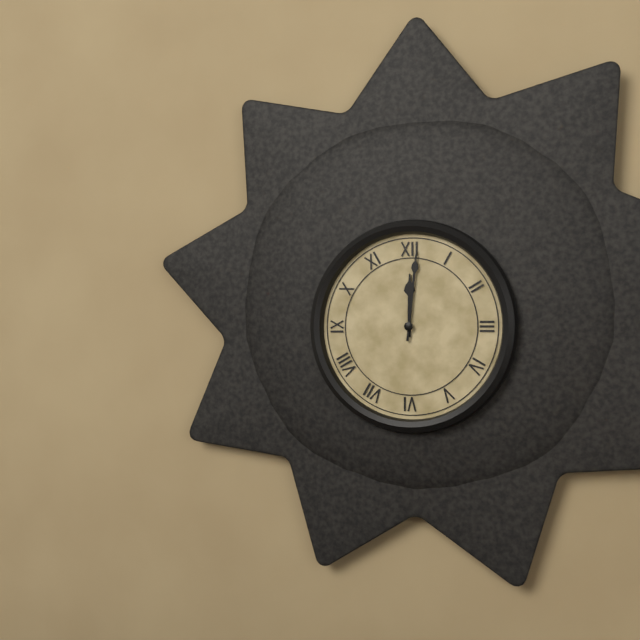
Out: 12,01
